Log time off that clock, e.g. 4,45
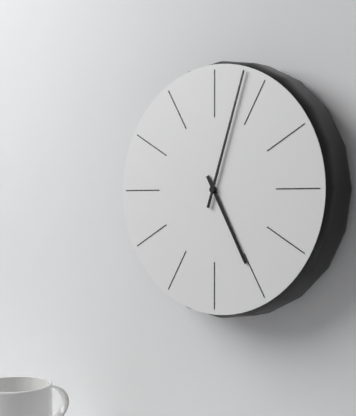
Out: 5,03
